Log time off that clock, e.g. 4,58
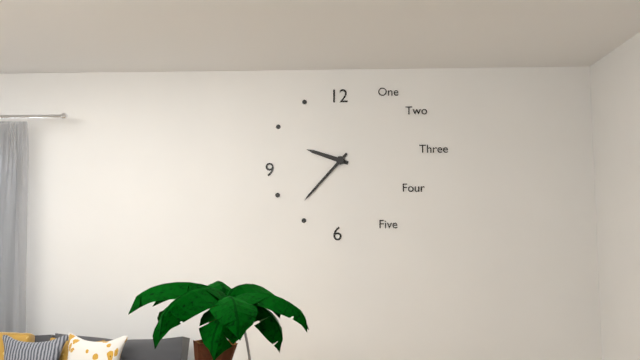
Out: 9,37
